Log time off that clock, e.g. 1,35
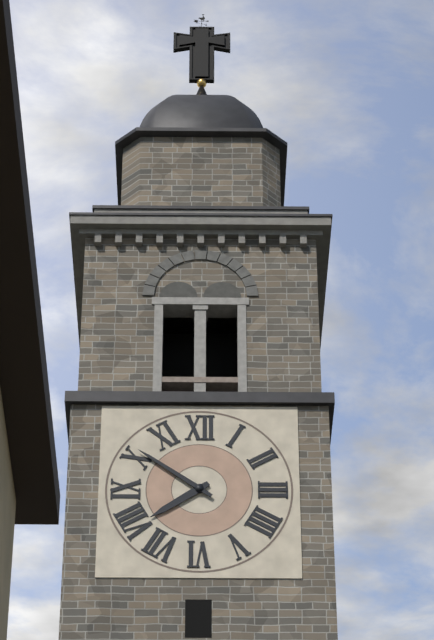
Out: 7,51
